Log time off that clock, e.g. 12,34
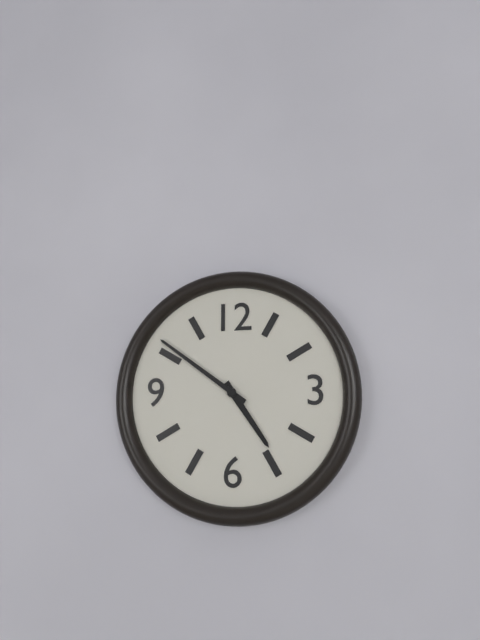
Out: 4,51
